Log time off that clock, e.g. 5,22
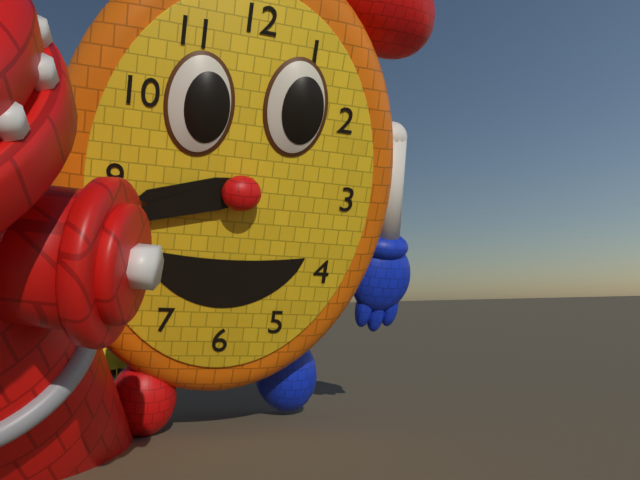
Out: 8,42
